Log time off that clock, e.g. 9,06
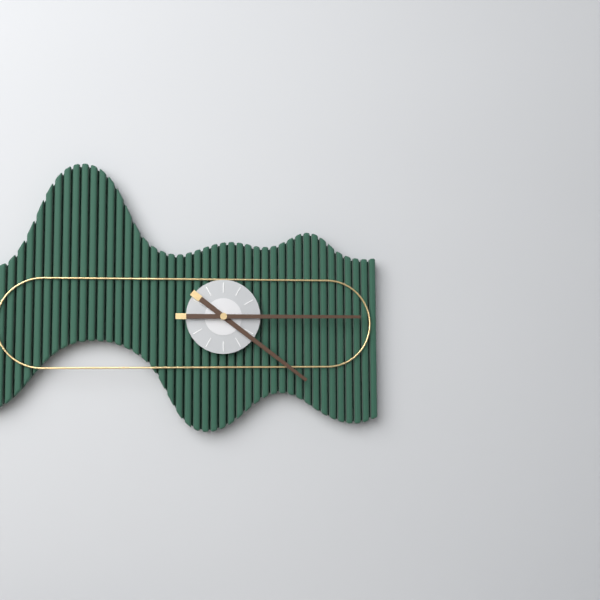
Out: 4,15
